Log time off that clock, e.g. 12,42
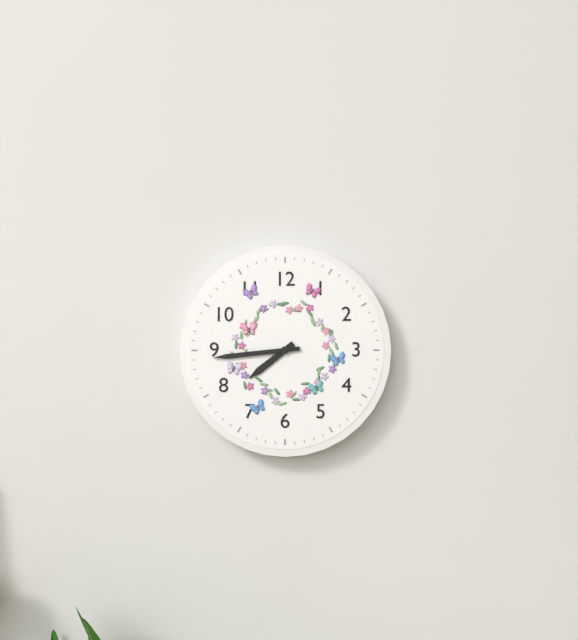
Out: 7,44
